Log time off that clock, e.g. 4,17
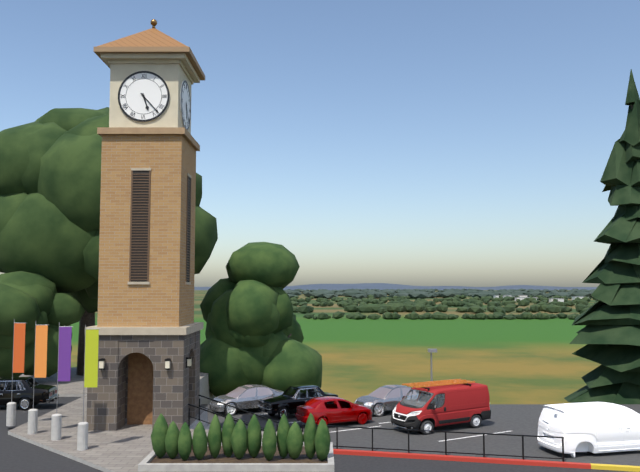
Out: 5,23
